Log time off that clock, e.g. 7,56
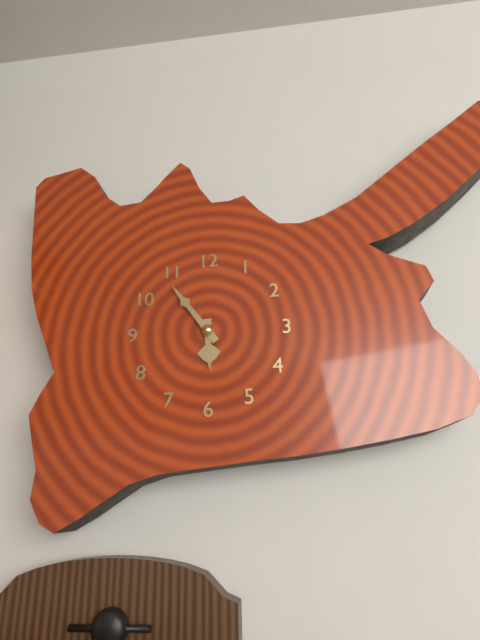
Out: 5,54
